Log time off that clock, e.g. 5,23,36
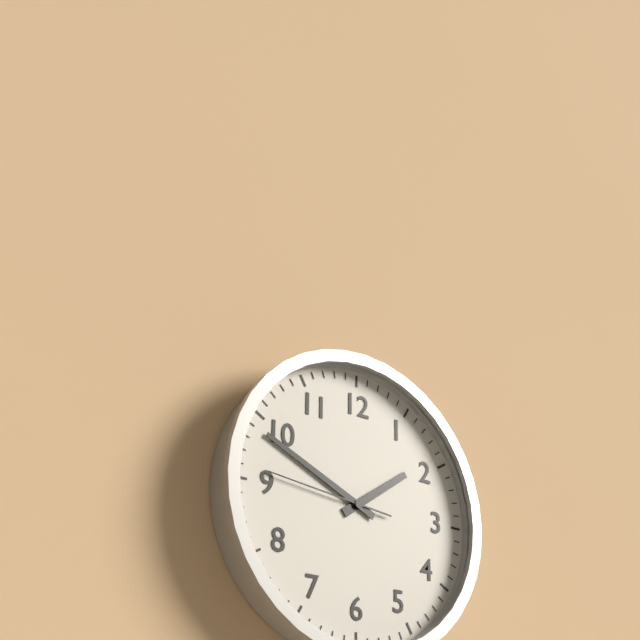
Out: 1,49,46
